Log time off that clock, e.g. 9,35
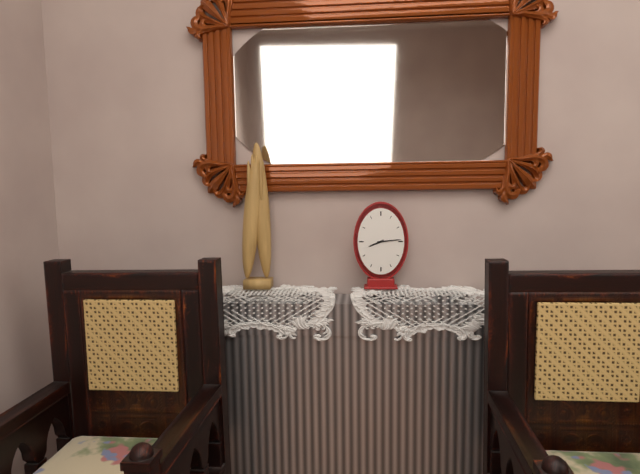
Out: 8,14
